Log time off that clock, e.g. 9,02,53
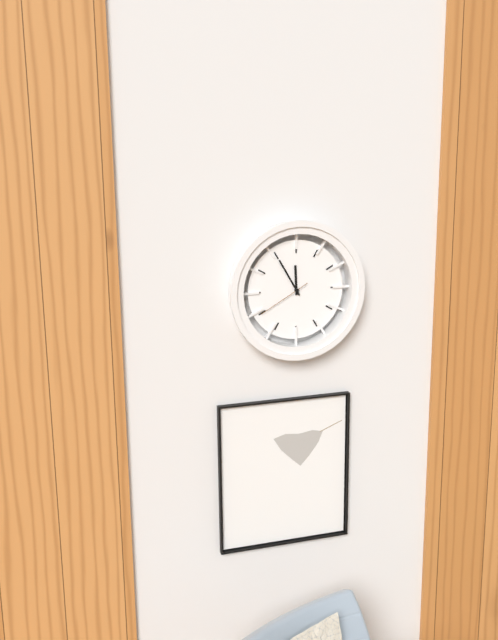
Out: 11,55,40
